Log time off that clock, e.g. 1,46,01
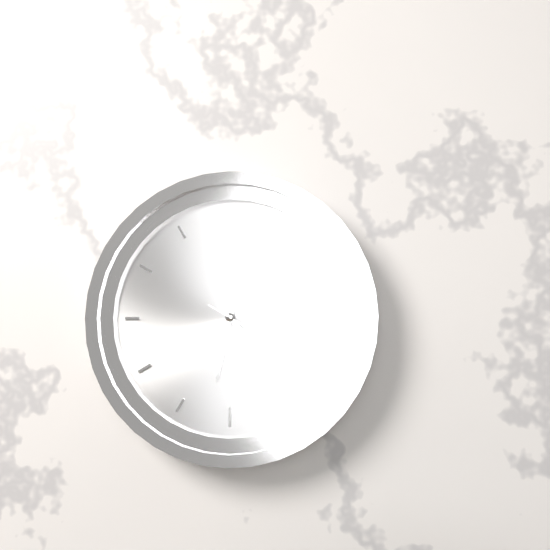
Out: 6,23,20
